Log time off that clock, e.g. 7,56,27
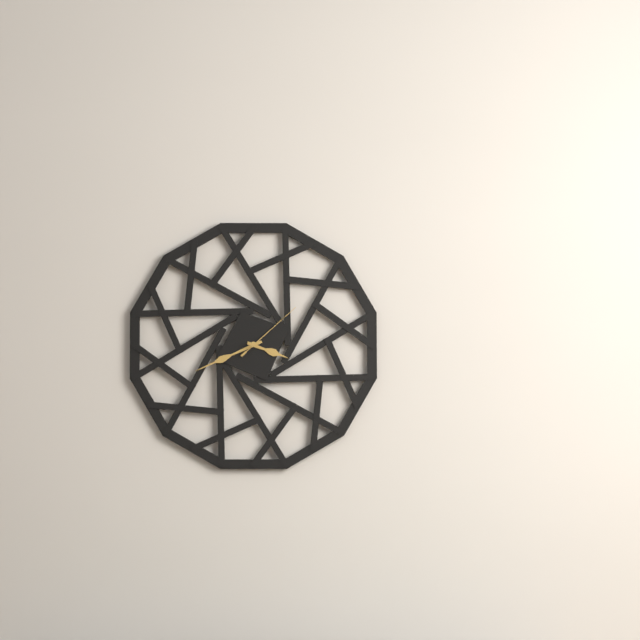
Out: 3,41,08
